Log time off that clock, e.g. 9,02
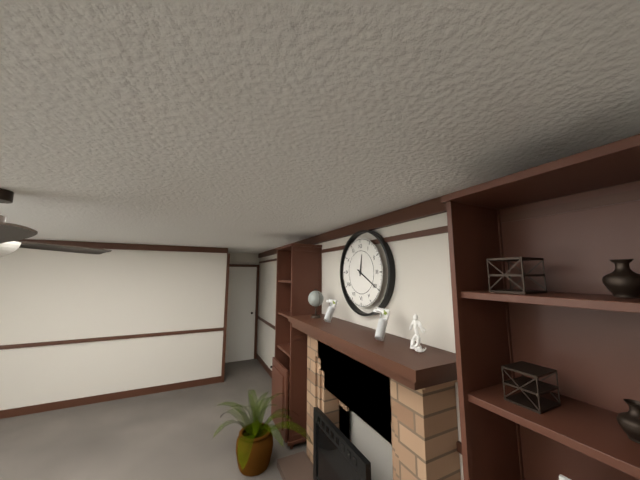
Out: 12,20
